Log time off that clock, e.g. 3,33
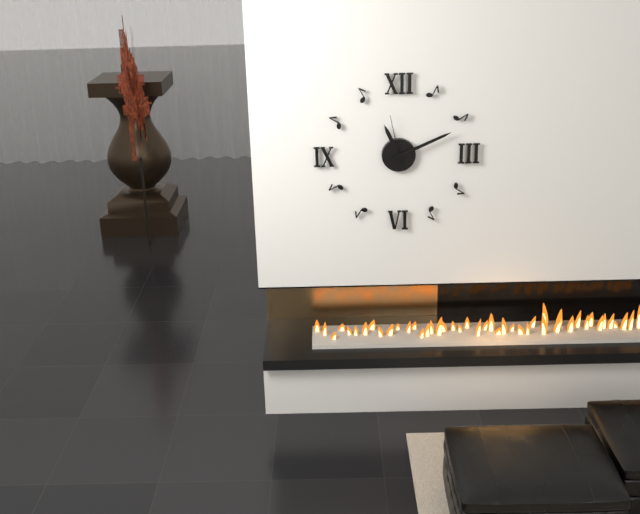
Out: 11,11
